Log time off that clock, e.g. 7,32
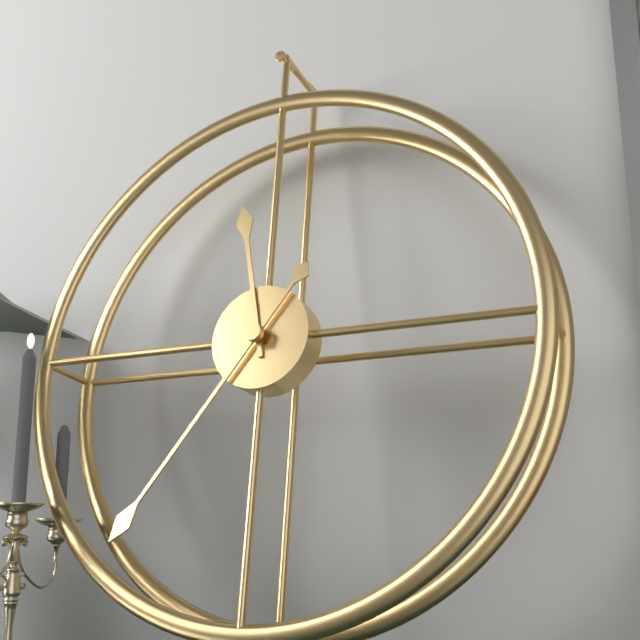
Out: 11,36
